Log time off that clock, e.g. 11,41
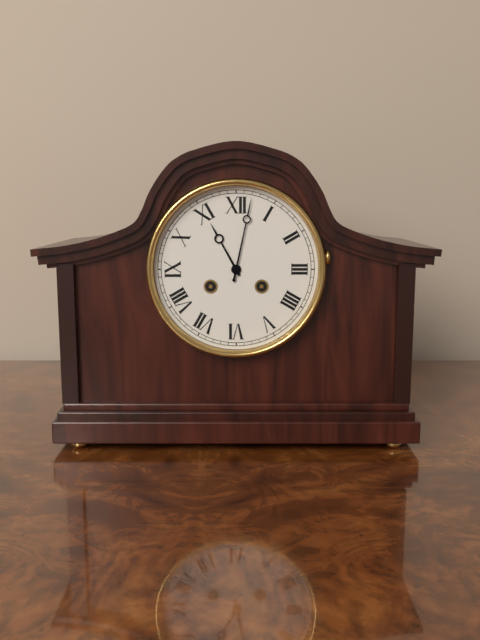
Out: 11,02
